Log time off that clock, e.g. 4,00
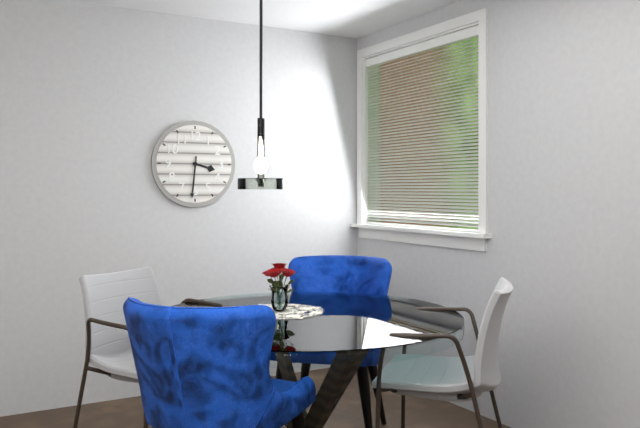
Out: 3,31
